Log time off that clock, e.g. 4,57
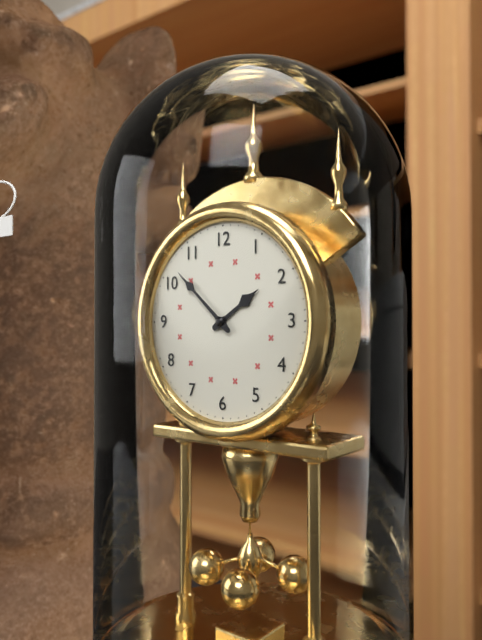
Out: 1,52
